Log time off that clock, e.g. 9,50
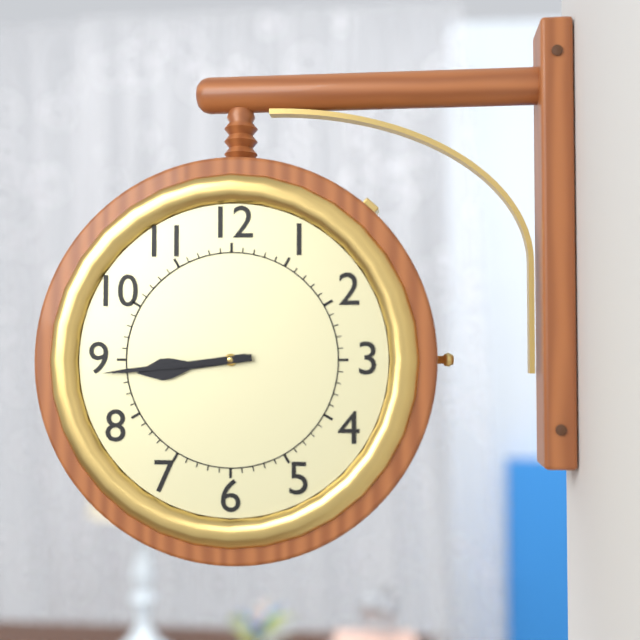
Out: 8,44
